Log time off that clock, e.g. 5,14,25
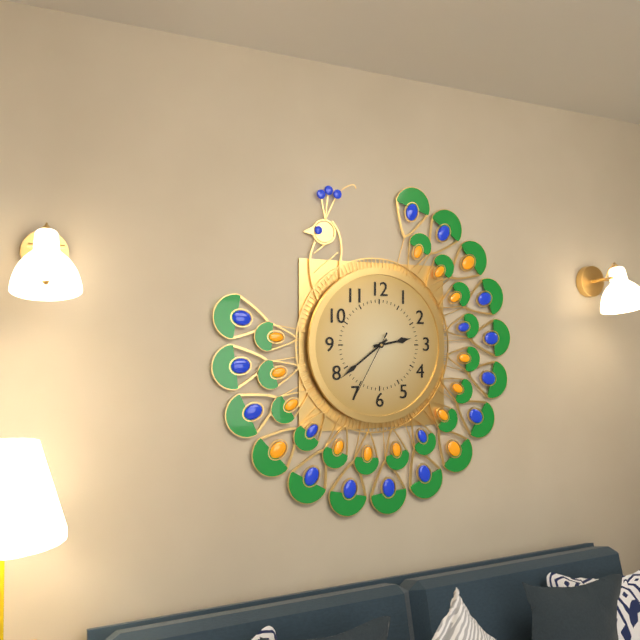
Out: 2,39,35
